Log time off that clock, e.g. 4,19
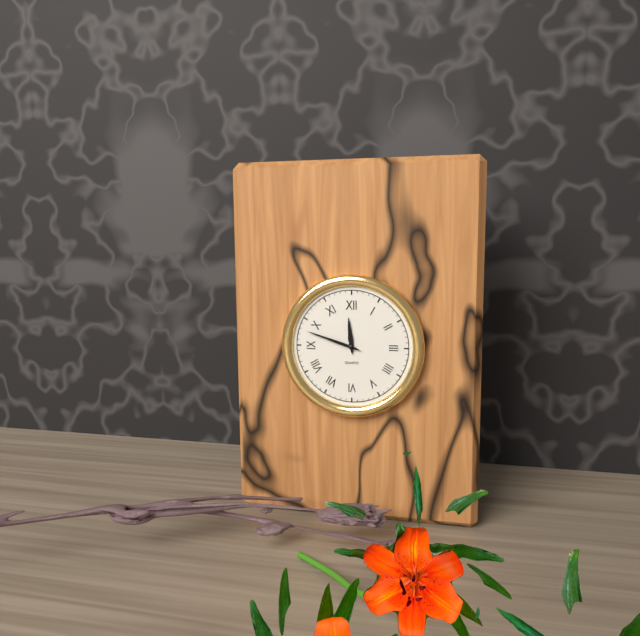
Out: 11,48
